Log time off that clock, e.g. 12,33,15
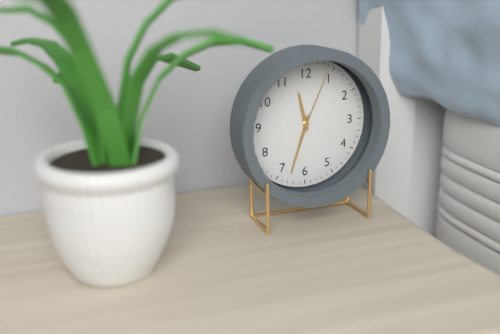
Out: 11,33,04
